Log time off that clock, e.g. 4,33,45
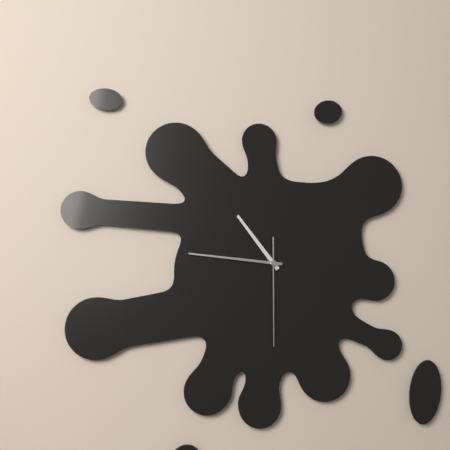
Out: 10,46,30
